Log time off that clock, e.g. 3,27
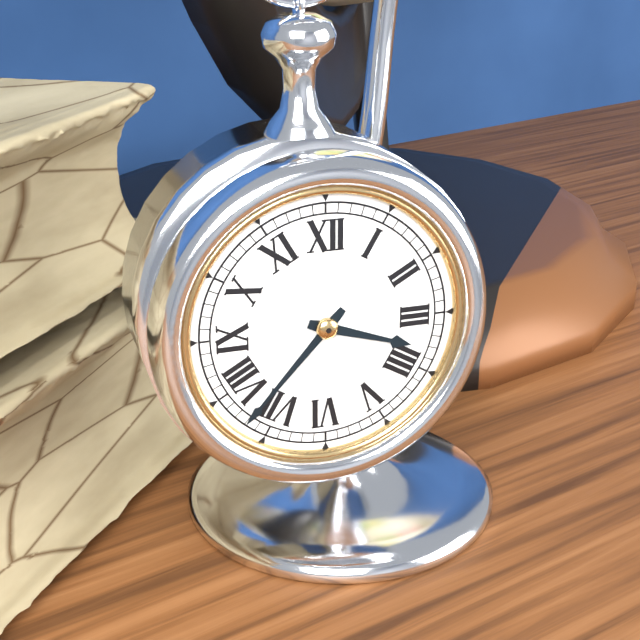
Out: 3,37
